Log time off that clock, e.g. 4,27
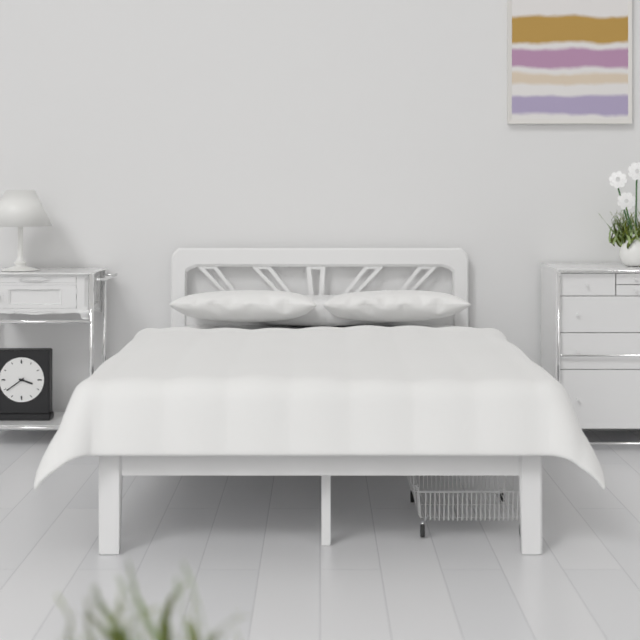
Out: 3,39
